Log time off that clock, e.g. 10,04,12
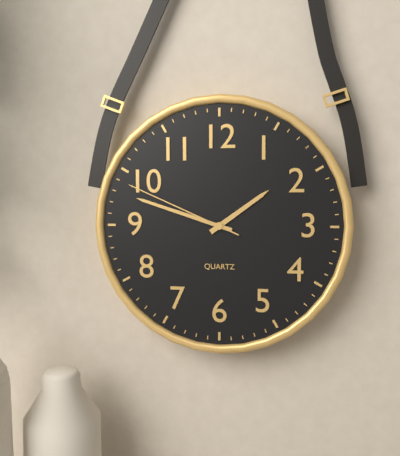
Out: 1,48,49
